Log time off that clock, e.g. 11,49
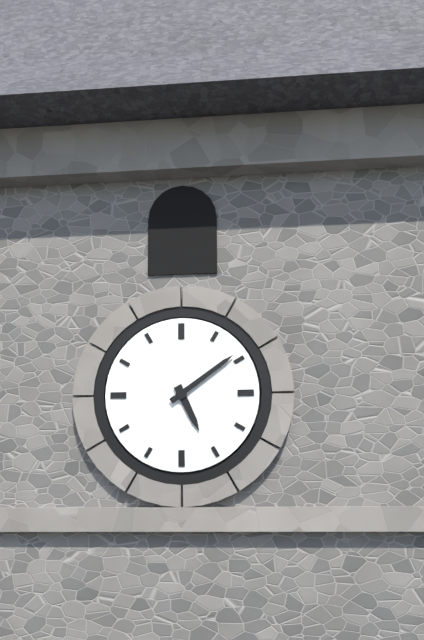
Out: 5,09
